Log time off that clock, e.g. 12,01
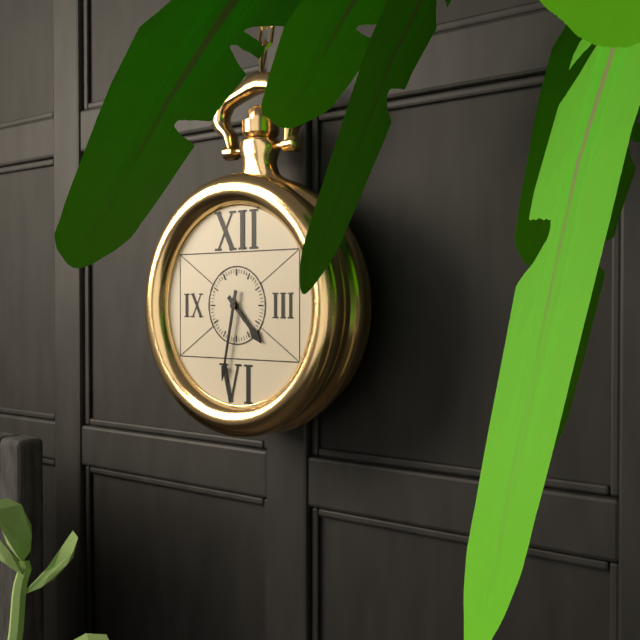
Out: 4,32
